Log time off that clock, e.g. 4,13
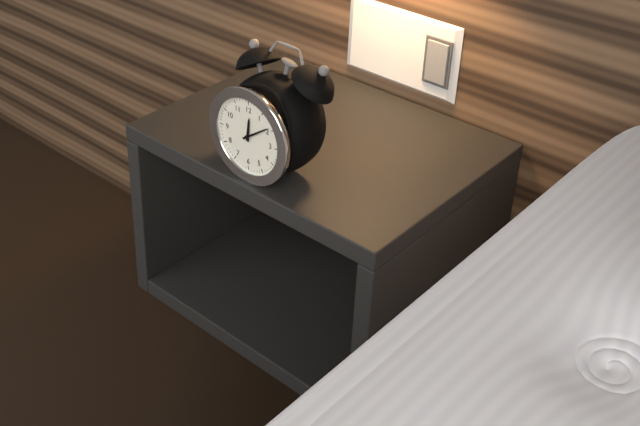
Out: 12,09
